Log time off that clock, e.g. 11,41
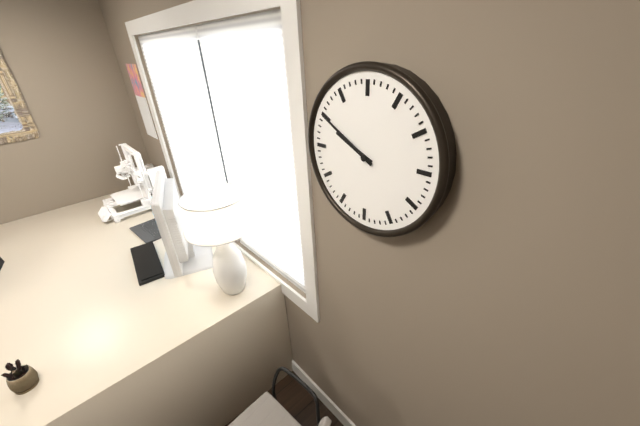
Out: 9,50
